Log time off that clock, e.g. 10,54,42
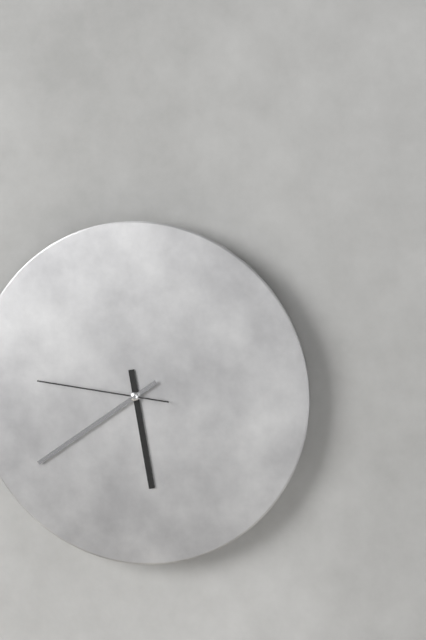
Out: 5,39,46
